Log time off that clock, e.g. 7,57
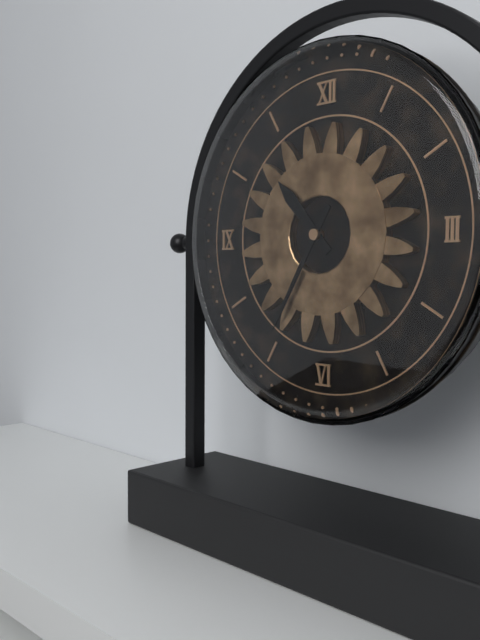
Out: 10,35
